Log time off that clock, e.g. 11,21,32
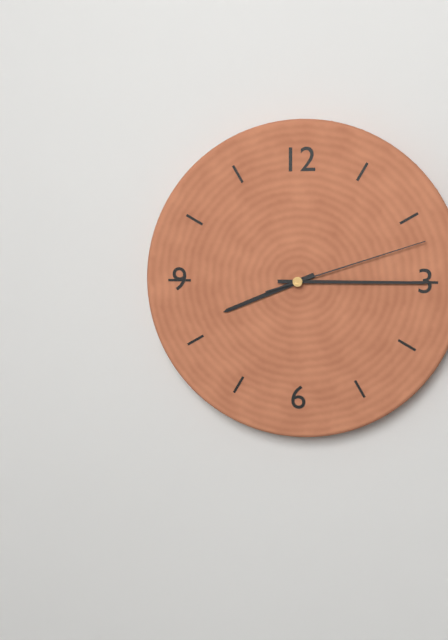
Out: 8,15,12
